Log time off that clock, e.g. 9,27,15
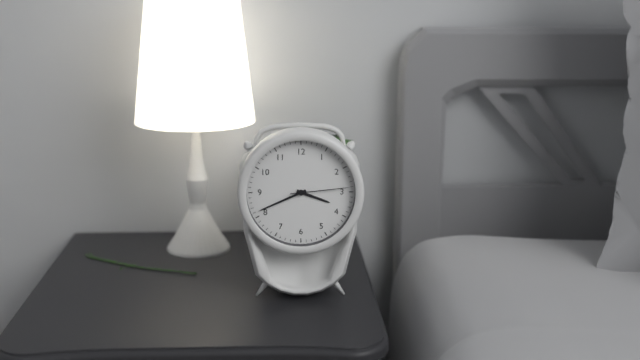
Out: 3,41,14
